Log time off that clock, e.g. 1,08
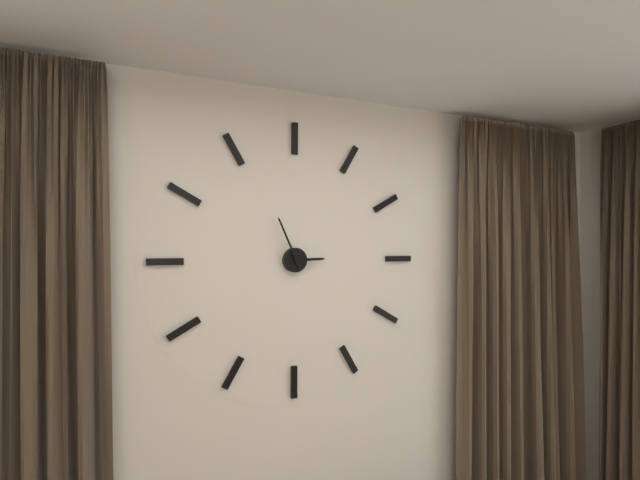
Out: 2,56
